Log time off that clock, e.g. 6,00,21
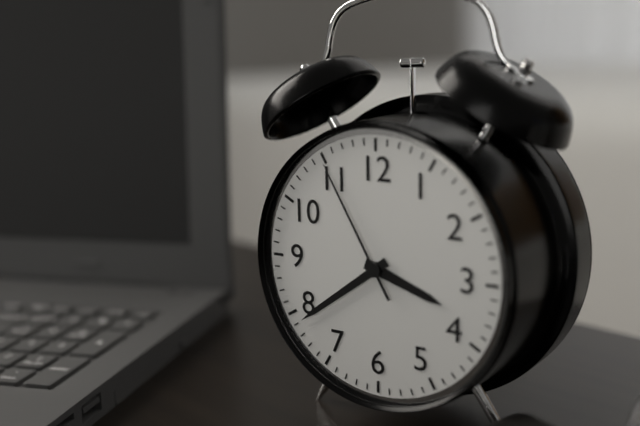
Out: 3,39,55
